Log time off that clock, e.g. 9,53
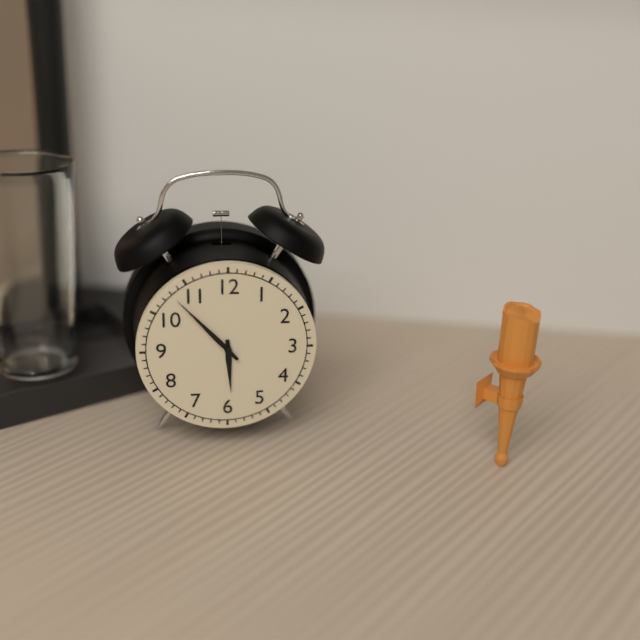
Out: 5,53
